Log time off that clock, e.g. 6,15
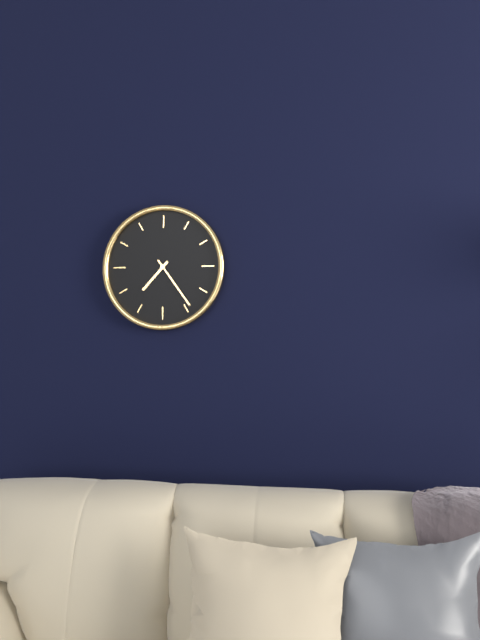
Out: 7,24
